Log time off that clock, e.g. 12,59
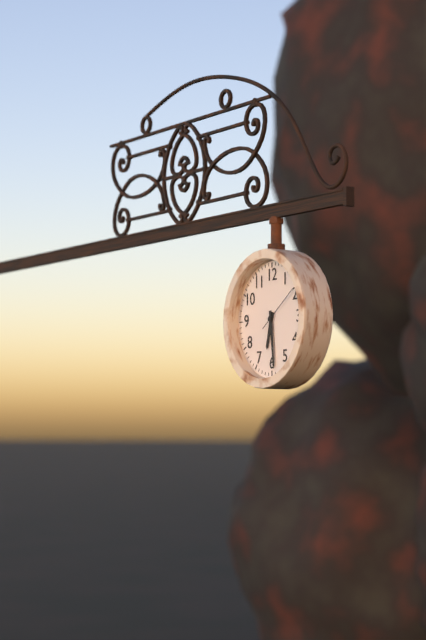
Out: 6,29
